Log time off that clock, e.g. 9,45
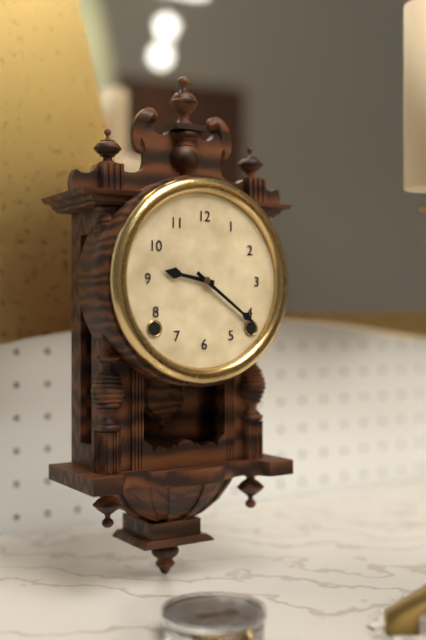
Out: 9,21
